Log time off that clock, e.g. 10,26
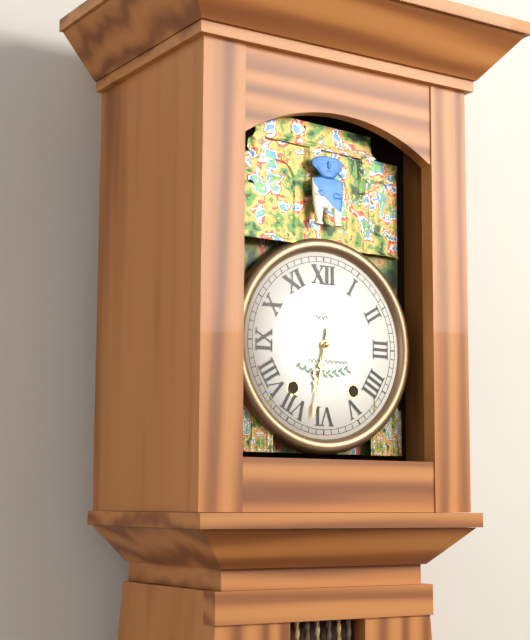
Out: 6,32
